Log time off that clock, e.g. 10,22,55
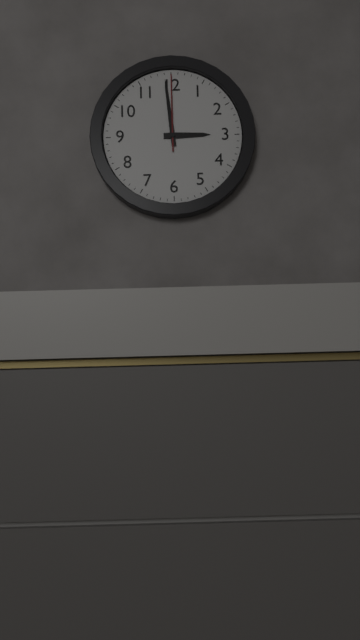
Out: 2,59,00
